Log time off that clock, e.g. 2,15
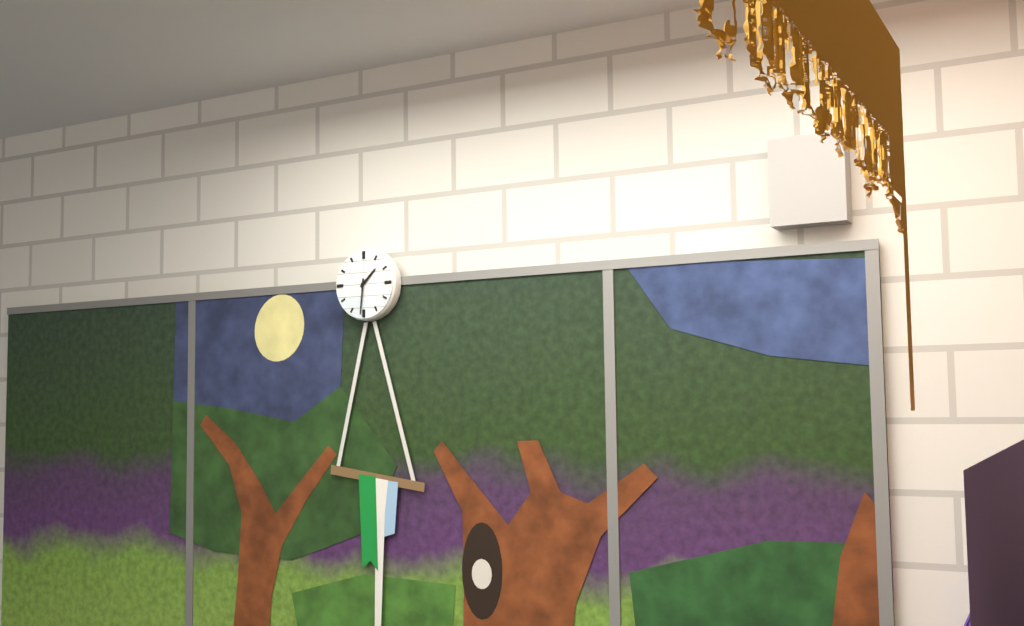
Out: 1,31
